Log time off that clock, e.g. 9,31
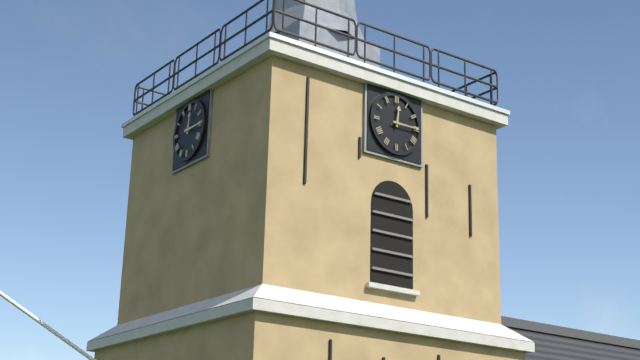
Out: 12,15
